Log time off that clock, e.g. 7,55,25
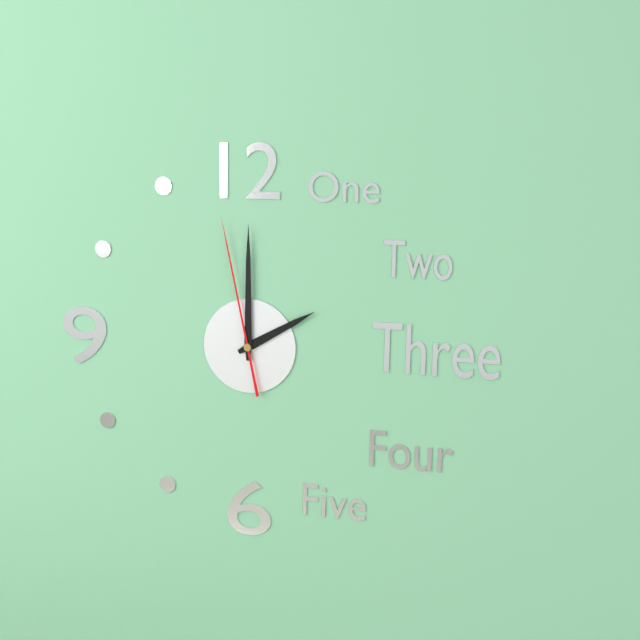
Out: 2,00,58
